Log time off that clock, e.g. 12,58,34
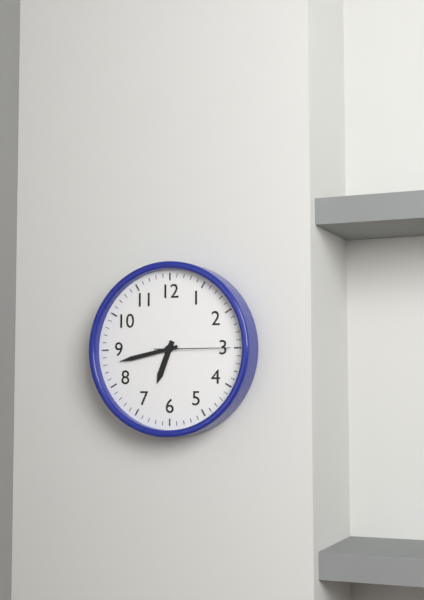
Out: 6,43,15
